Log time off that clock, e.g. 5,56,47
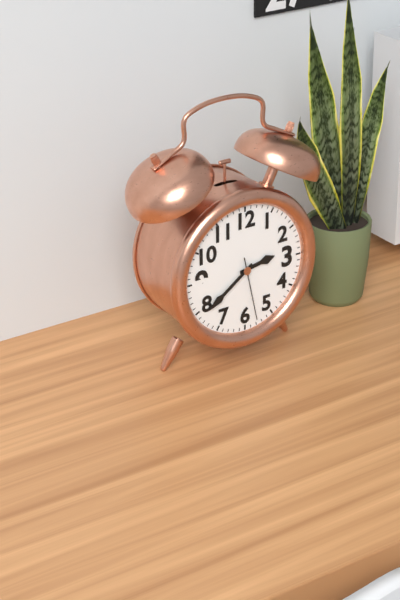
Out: 2,39,28
